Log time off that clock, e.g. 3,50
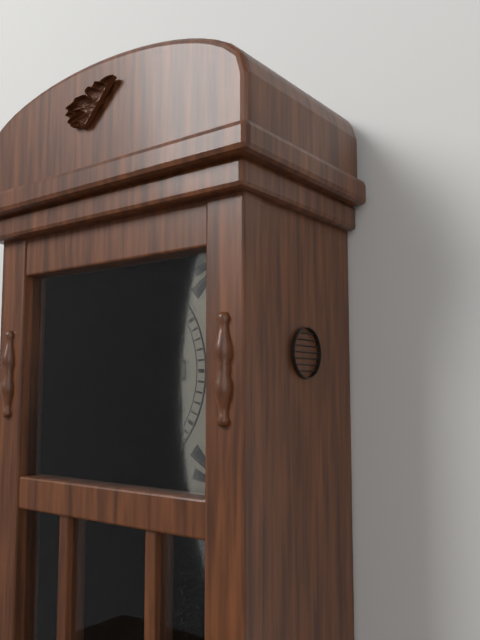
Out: 1,44
